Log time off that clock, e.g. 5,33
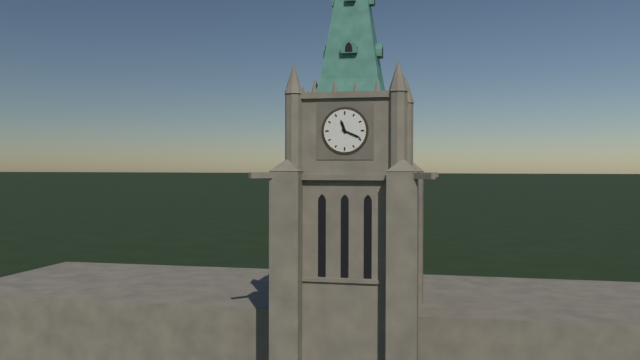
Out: 11,19
